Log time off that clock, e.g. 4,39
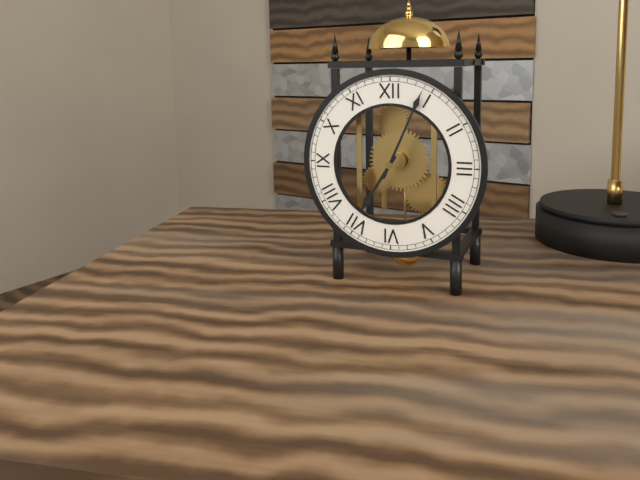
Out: 7,04
